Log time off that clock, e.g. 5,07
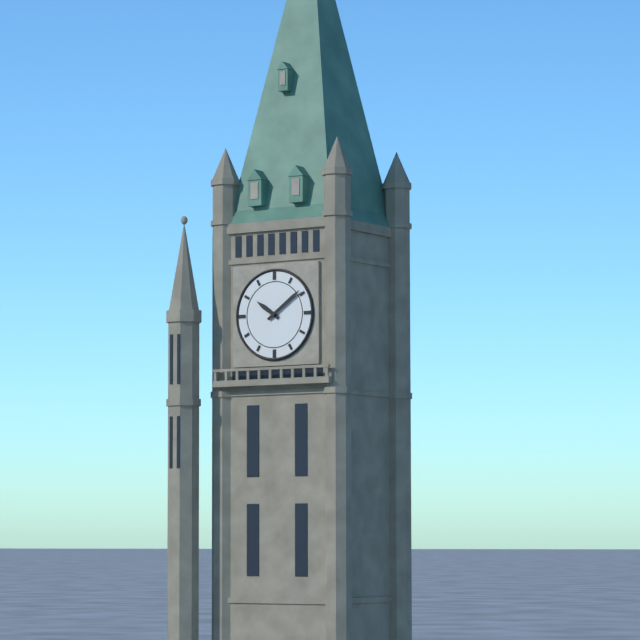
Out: 10,09
